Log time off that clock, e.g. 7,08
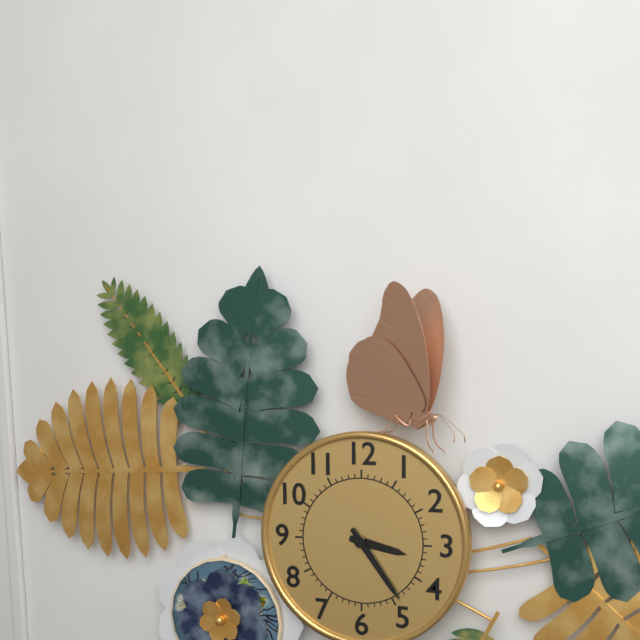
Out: 3,24
